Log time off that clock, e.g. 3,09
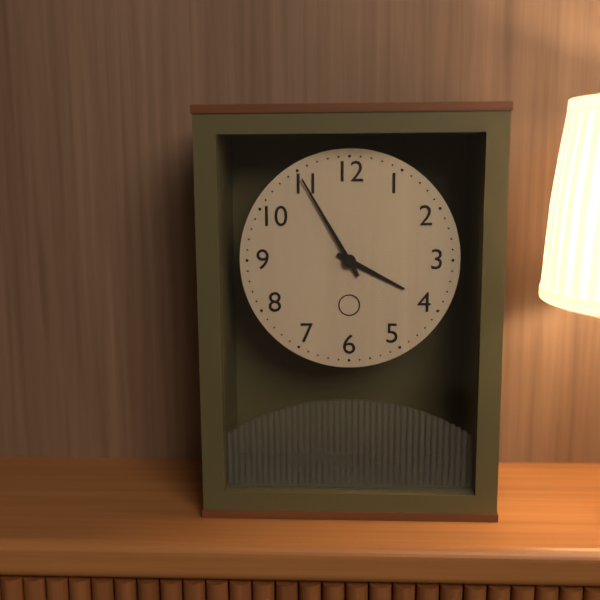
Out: 3,55
